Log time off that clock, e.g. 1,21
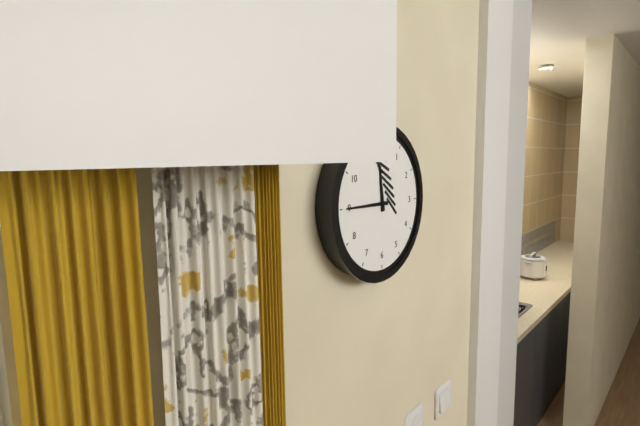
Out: 11,45
